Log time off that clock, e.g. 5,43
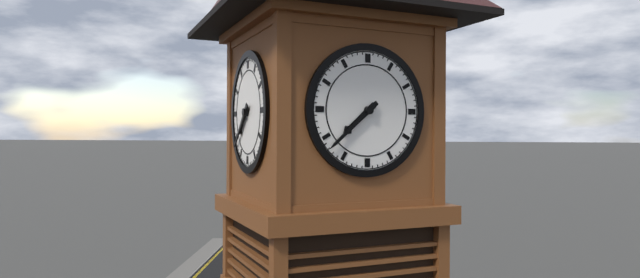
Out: 7,38
